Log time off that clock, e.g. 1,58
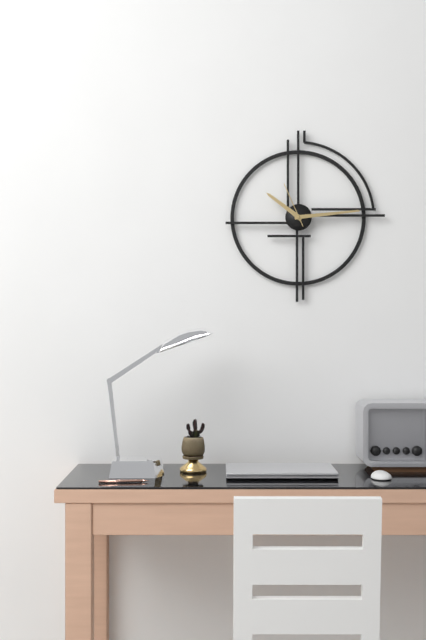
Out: 10,14
